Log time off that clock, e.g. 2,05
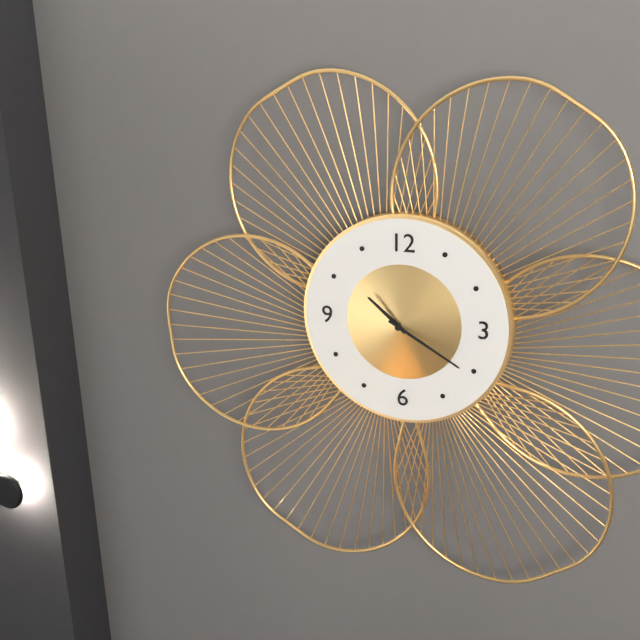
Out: 10,20
